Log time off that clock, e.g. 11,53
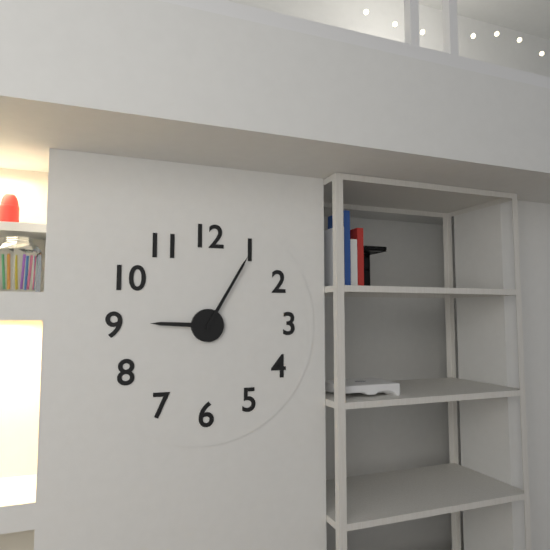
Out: 9,05
